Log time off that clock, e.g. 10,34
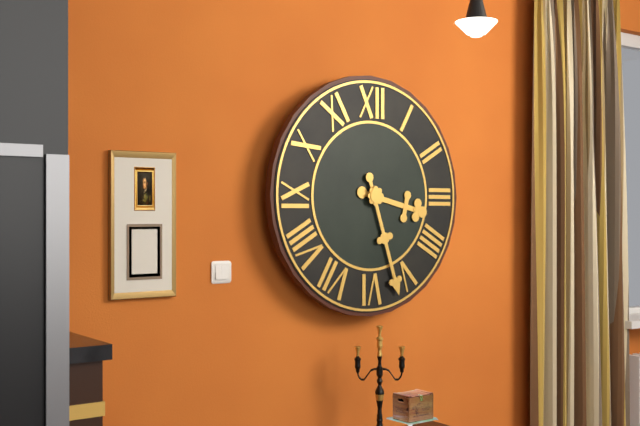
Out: 3,27
